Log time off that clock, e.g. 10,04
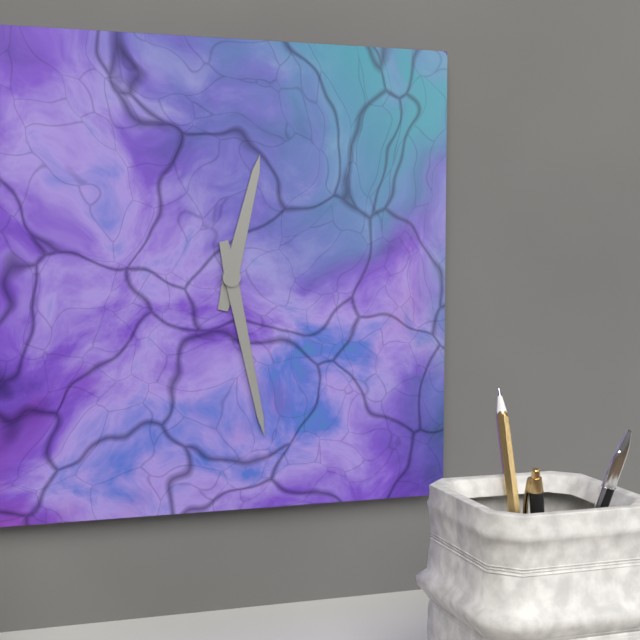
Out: 12,28
